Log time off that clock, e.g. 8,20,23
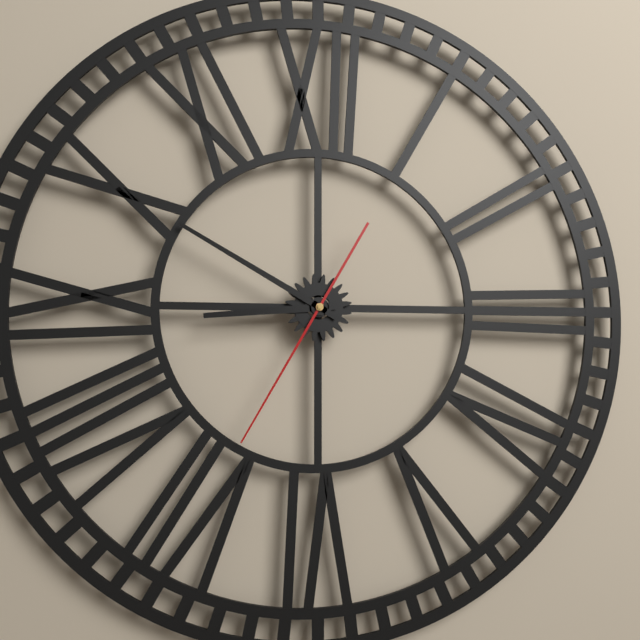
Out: 8,50,35
